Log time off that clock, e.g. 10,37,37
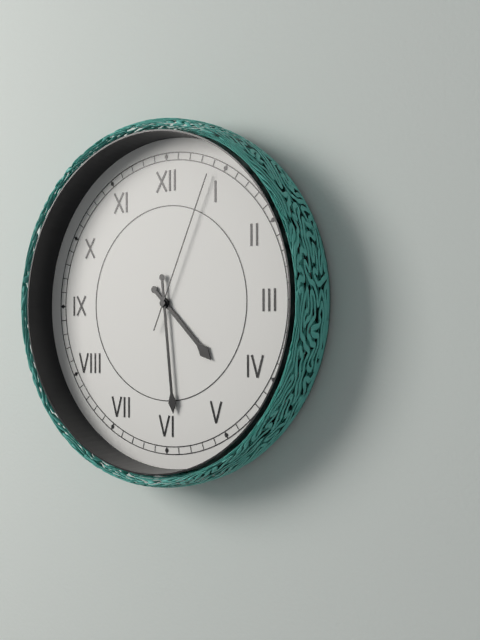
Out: 4,29,04
